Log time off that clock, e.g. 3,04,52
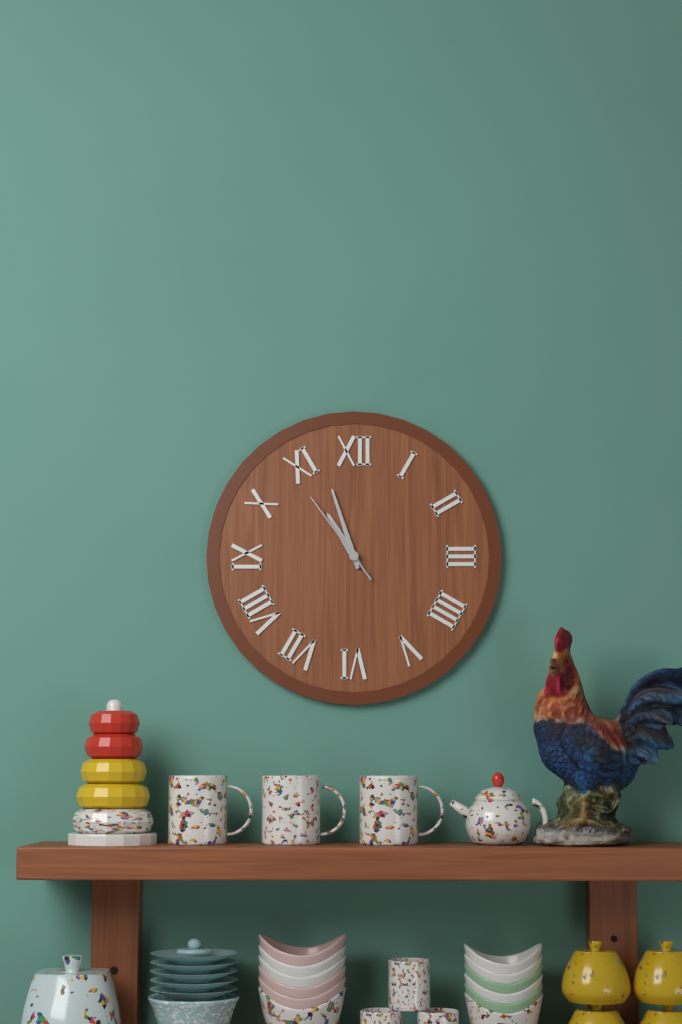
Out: 10,57,54
